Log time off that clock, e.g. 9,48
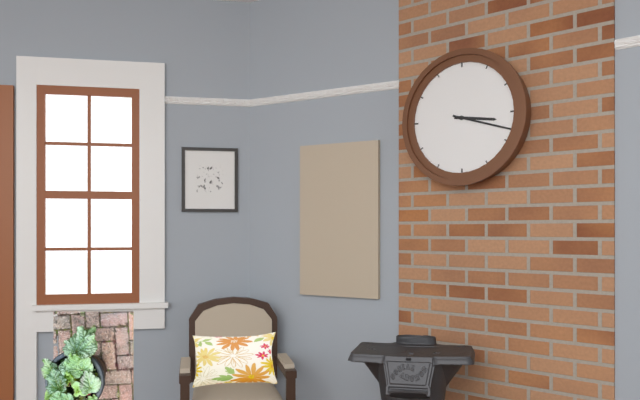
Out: 3,18
